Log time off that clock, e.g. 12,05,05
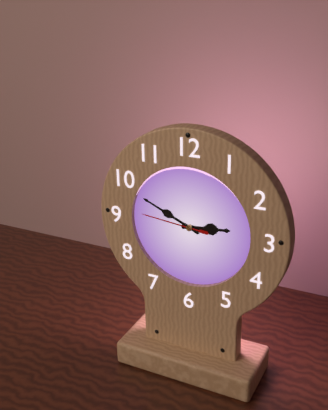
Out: 2,49,46
